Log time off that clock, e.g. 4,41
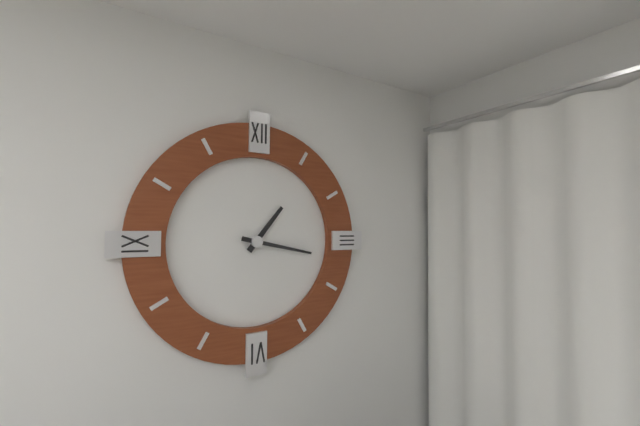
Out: 1,17
